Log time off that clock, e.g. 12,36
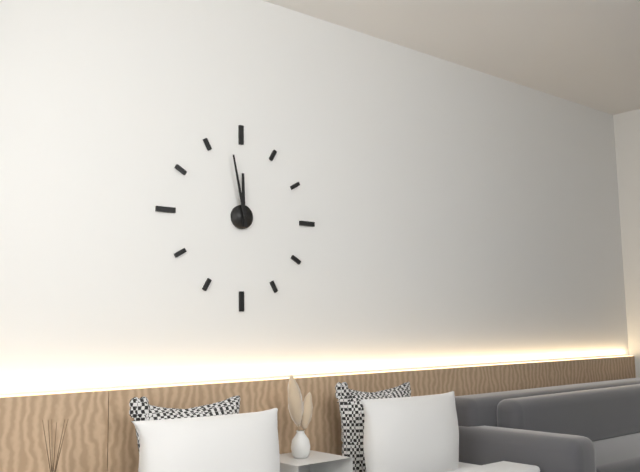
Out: 11,58
